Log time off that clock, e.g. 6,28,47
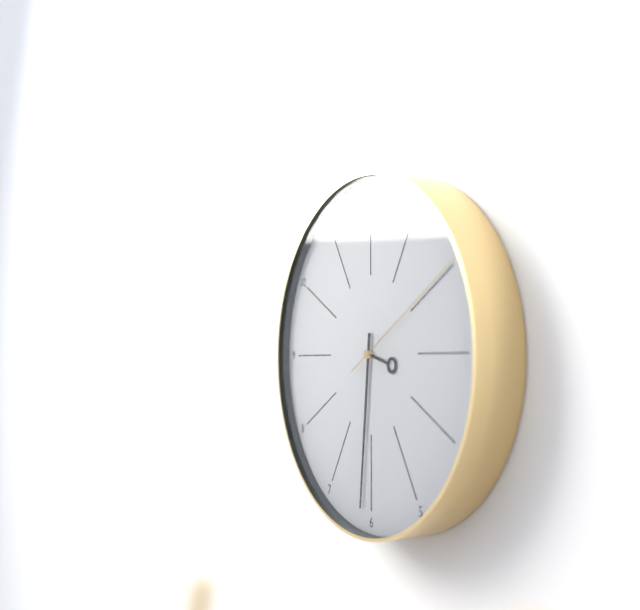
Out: 3,31,10
